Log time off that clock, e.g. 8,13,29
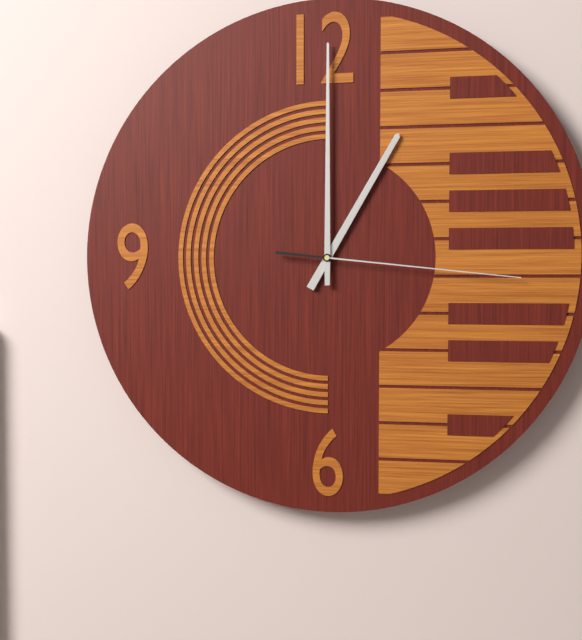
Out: 1,00,16
